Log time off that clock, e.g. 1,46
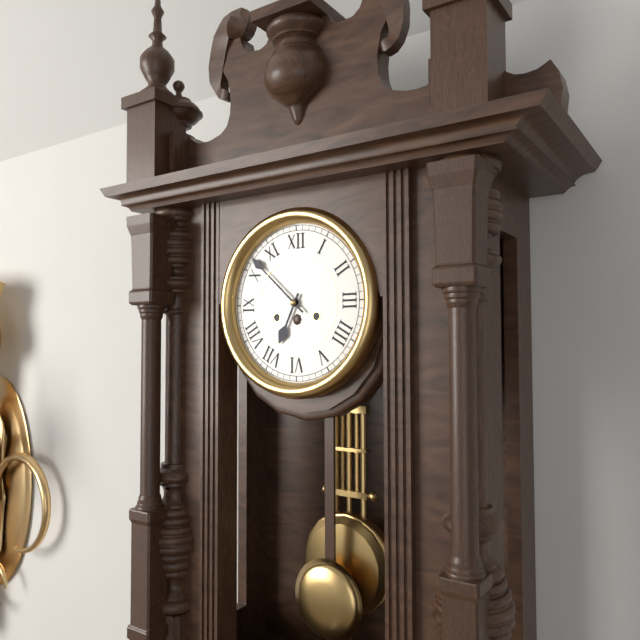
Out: 6,52
